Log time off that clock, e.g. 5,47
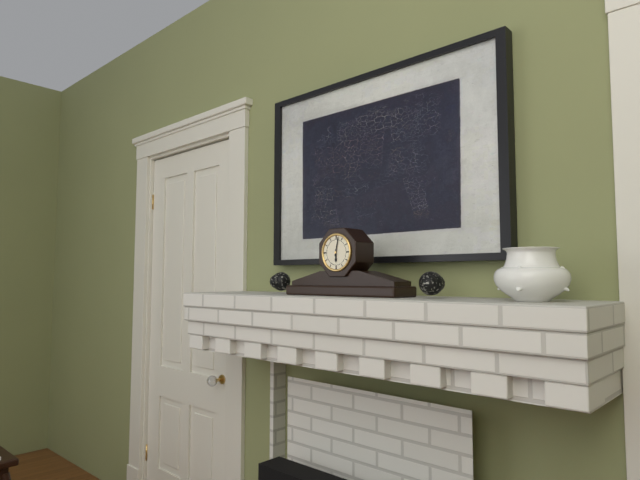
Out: 6,02
